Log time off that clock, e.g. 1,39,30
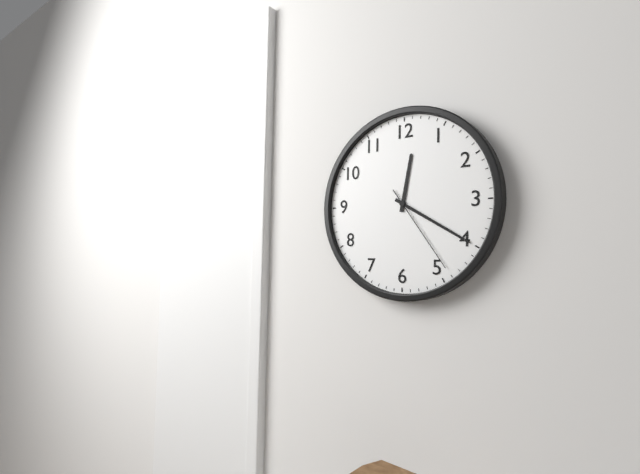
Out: 12,20,24
